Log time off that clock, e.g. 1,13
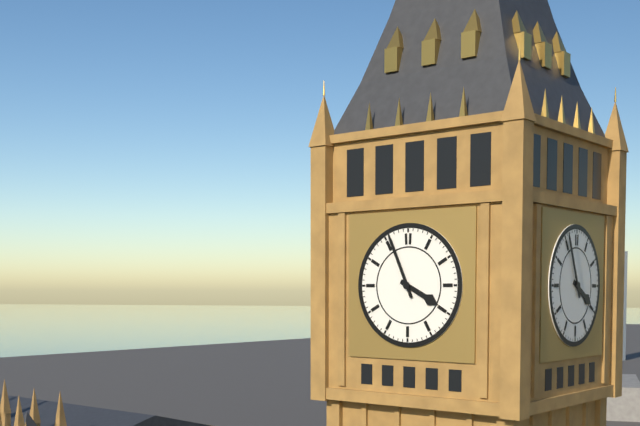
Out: 3,56
